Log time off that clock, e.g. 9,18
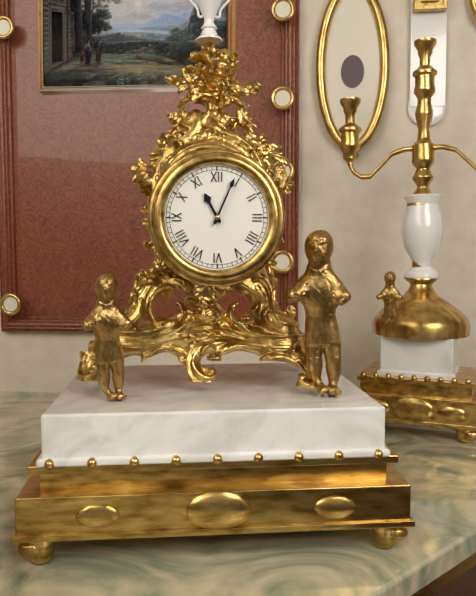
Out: 11,04
